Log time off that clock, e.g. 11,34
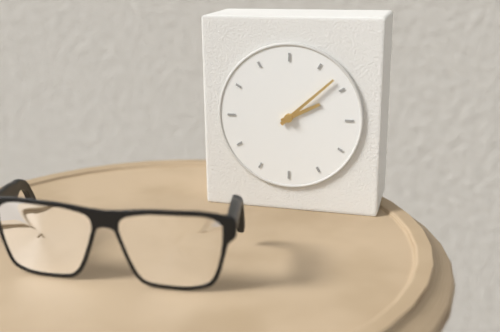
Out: 2,08
